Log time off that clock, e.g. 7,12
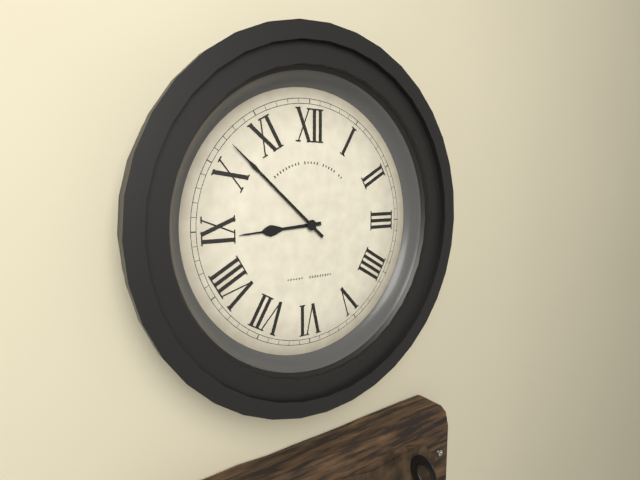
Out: 8,52
